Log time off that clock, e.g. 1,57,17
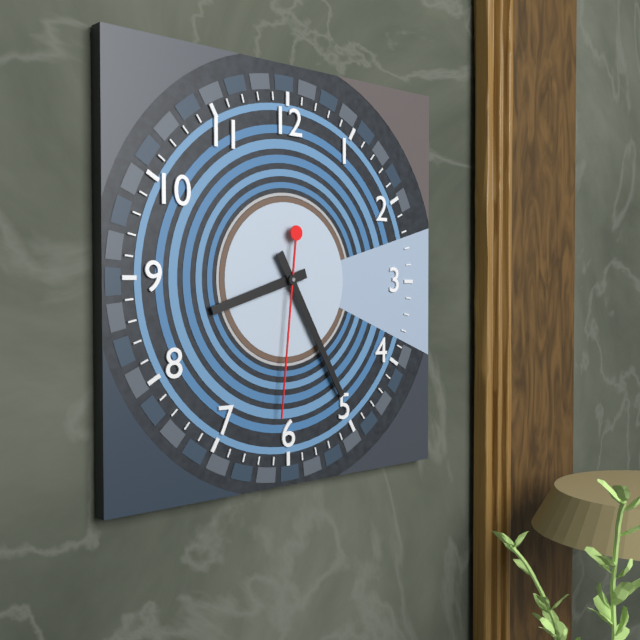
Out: 8,25,31
